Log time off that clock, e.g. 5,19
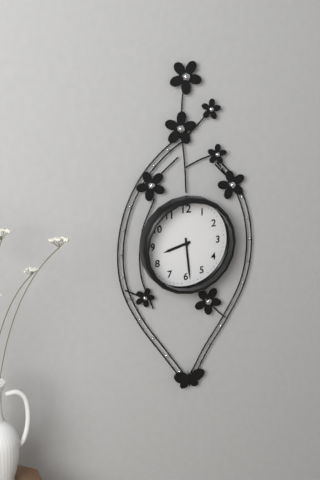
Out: 8,29
